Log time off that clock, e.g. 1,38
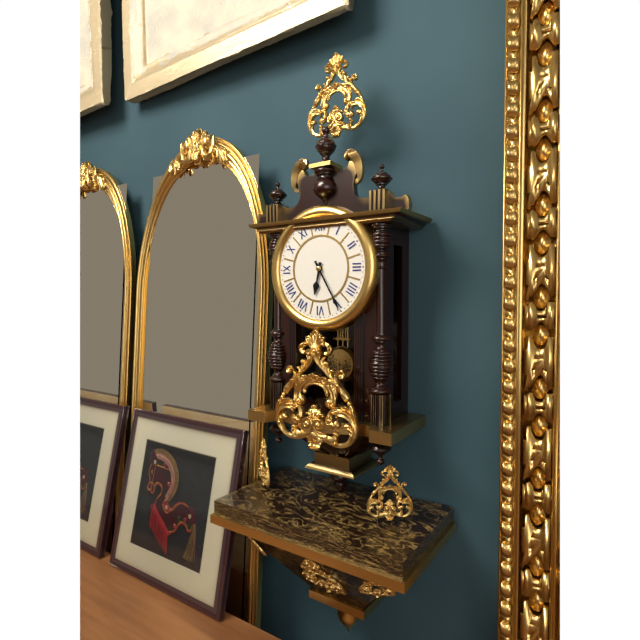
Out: 6,25
